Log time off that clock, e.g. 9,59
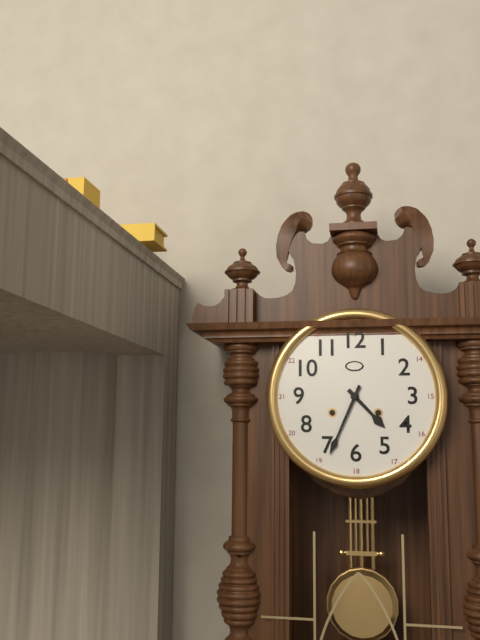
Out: 4,34
